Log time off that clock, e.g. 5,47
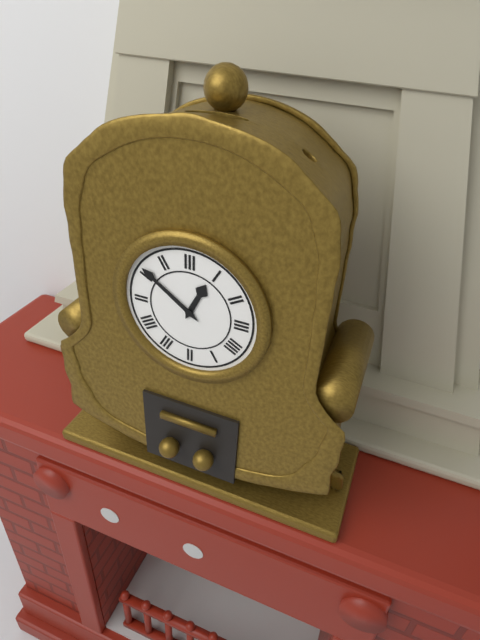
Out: 12,51
